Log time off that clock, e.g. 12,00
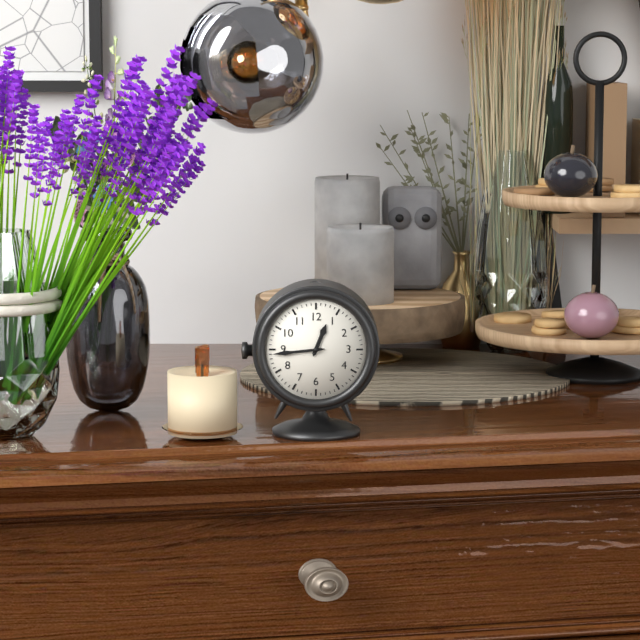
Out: 12,44
